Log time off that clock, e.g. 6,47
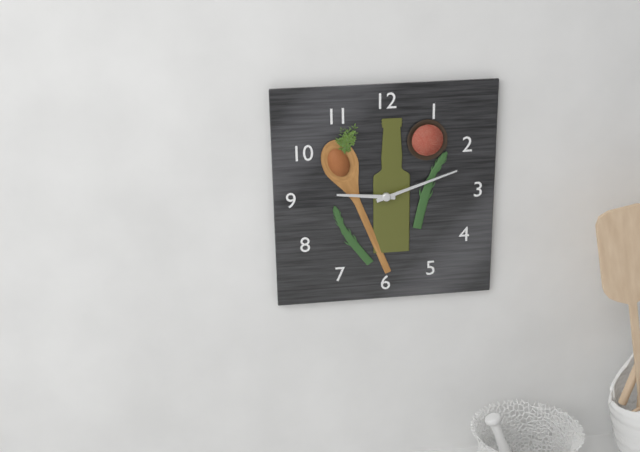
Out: 9,12
